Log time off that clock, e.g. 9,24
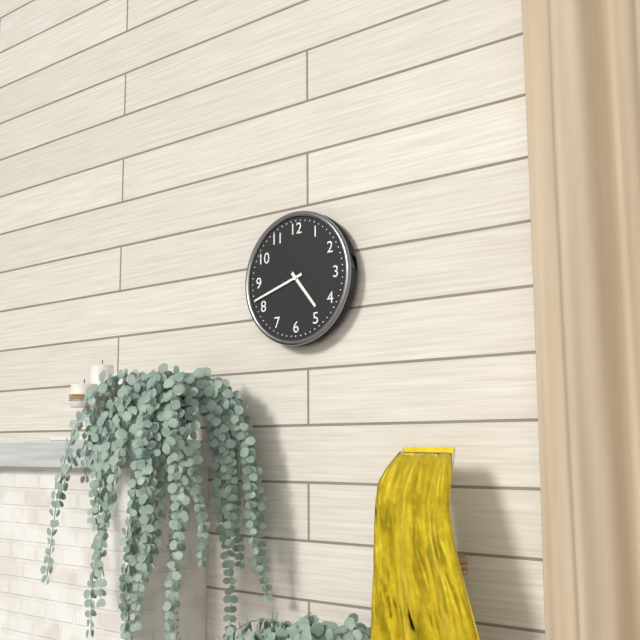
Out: 4,42
